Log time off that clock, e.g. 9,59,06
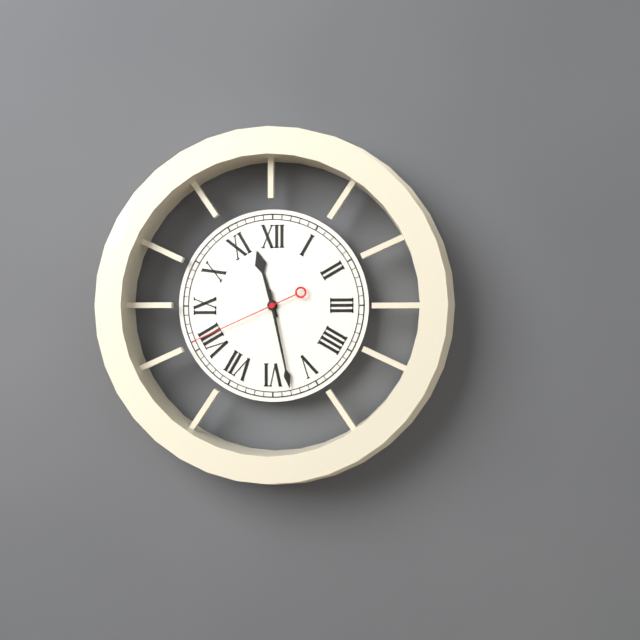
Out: 11,28,41
